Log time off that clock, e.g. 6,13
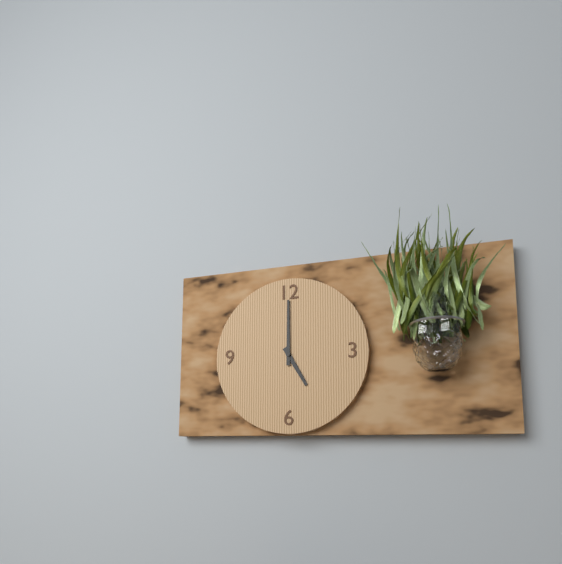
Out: 5,00
